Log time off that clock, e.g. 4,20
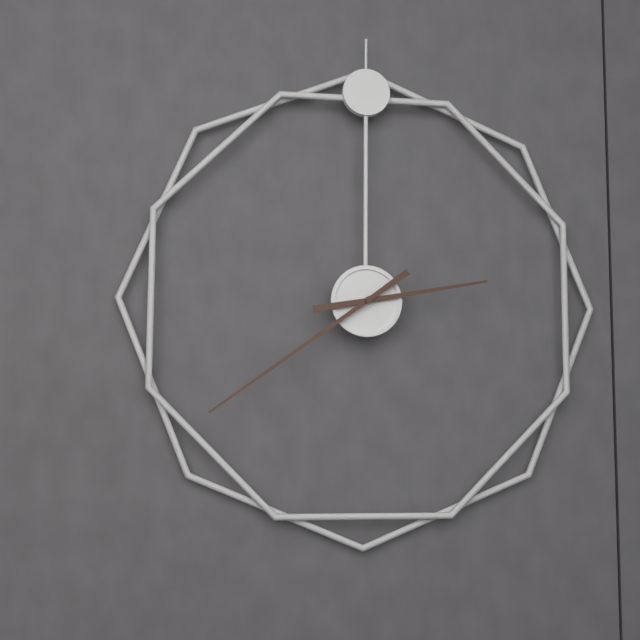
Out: 2,39
